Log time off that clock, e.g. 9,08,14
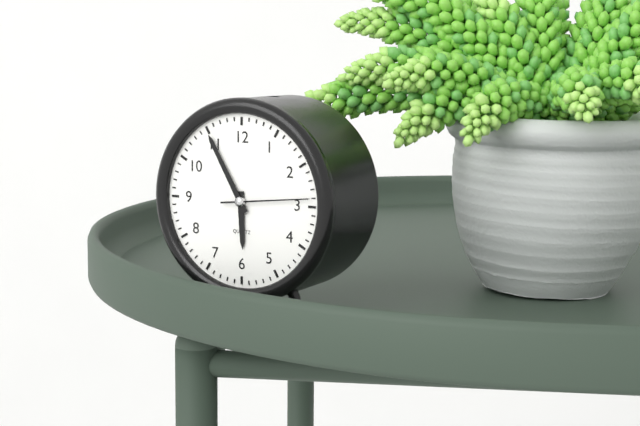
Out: 5,55,14
